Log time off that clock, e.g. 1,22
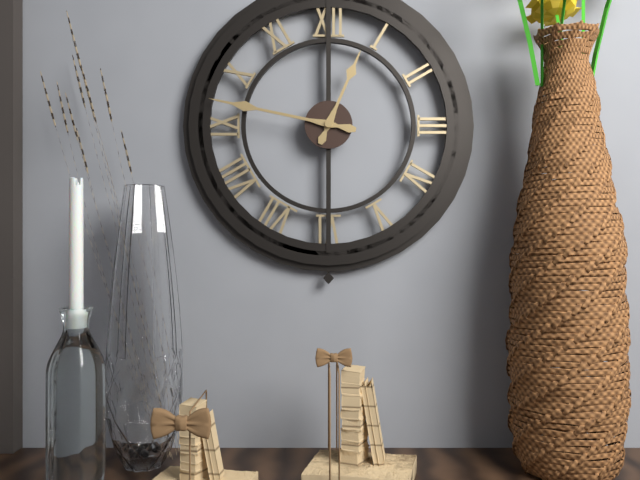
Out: 12,47
